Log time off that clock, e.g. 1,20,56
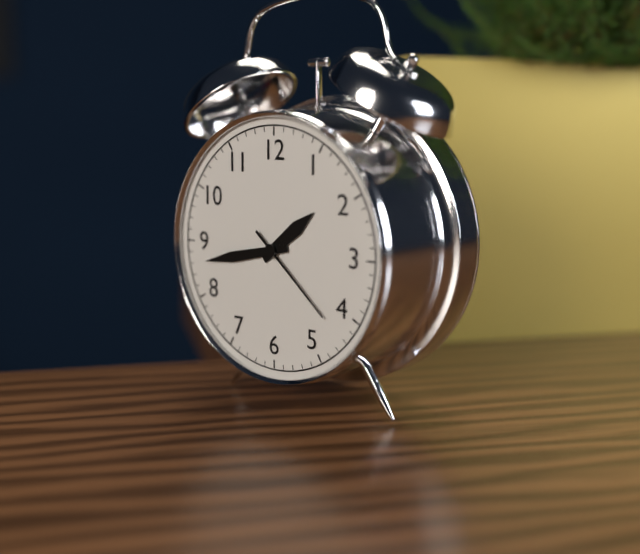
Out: 1,43,22
